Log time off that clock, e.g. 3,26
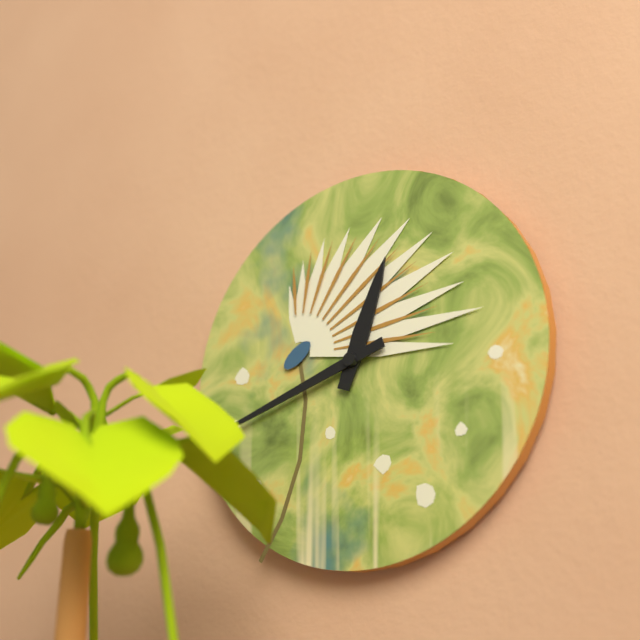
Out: 12,42
